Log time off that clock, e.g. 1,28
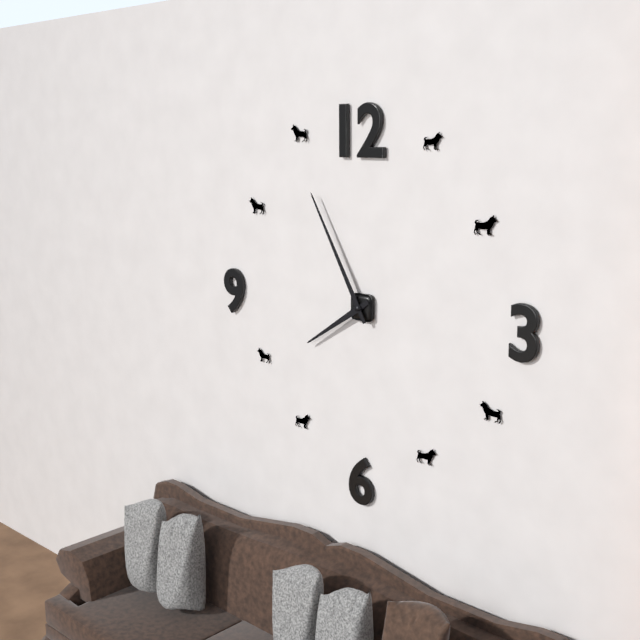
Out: 7,55
